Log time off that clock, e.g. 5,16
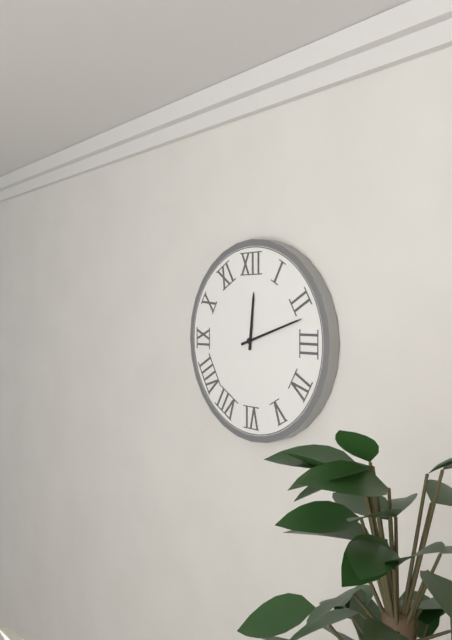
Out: 12,12
